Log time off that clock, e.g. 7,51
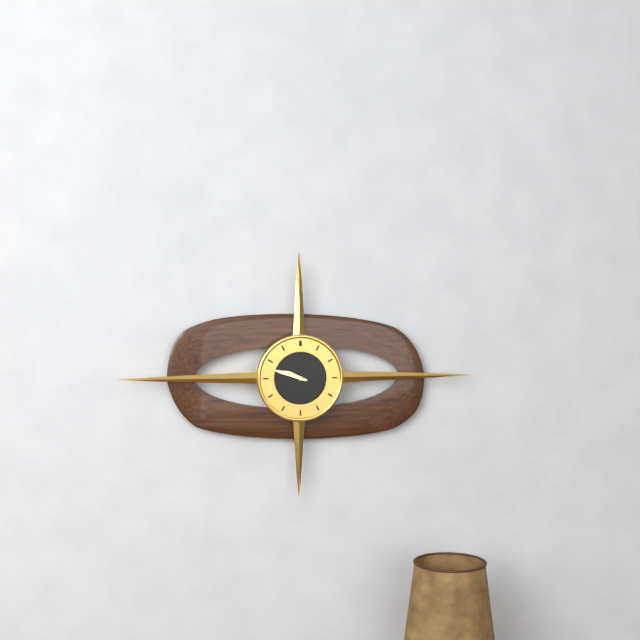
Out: 9,48
